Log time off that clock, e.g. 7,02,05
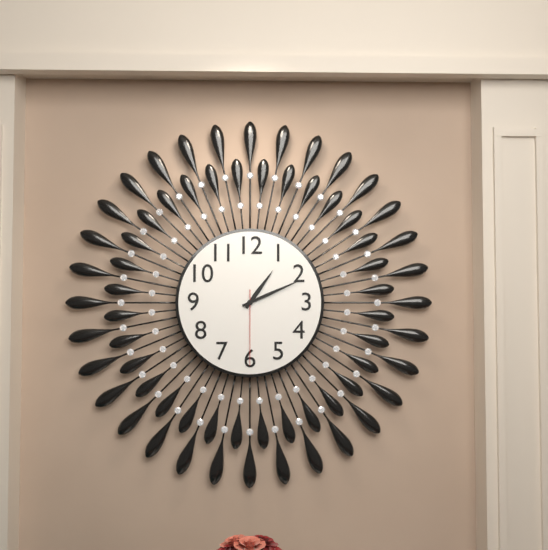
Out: 1,11,30
